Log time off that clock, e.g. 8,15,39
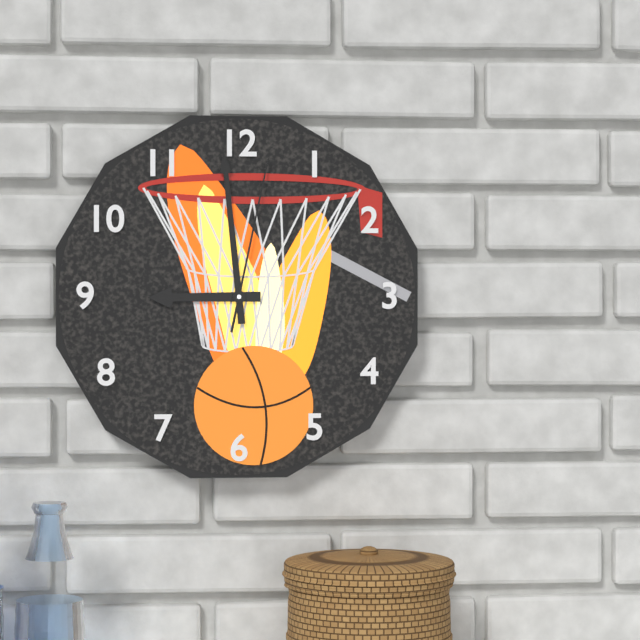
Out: 8,59,02
